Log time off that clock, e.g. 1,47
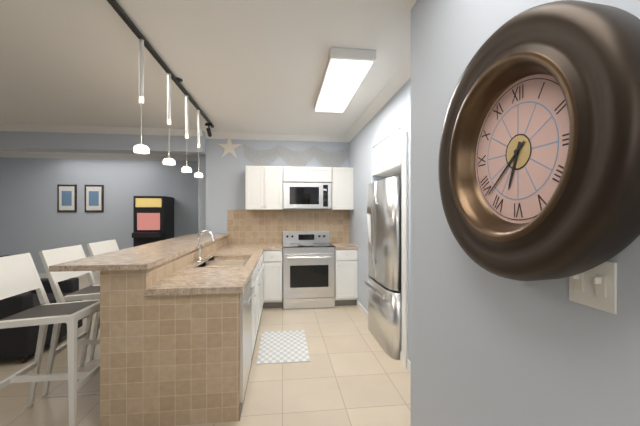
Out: 6,38
